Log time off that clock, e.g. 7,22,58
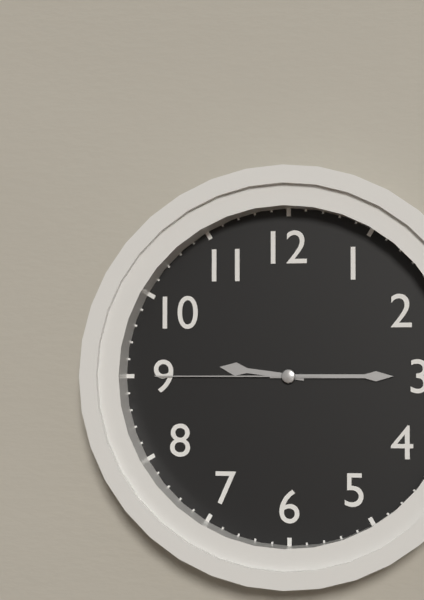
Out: 9,15,45
